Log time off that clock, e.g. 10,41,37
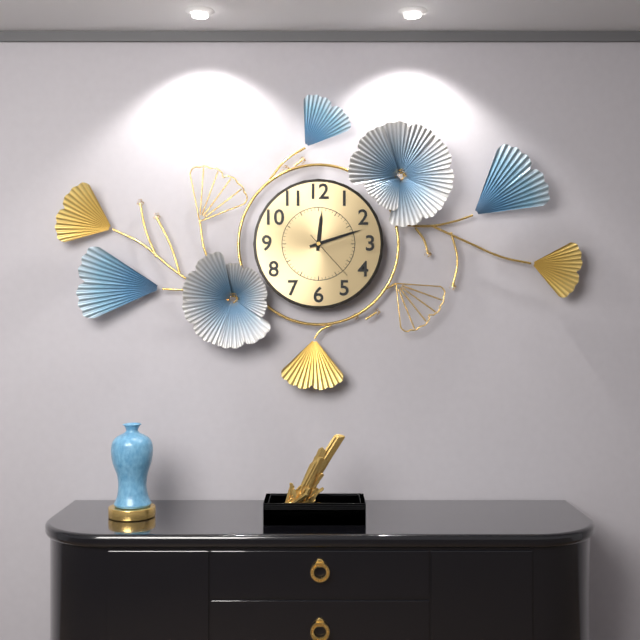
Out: 12,12,23
